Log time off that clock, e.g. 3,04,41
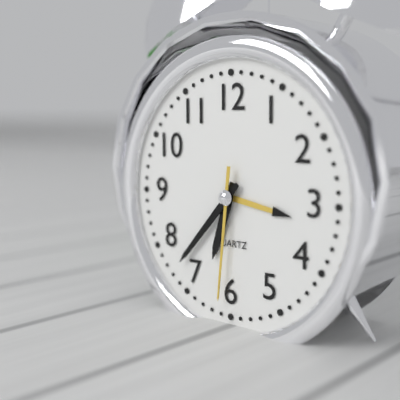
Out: 6,37,31
